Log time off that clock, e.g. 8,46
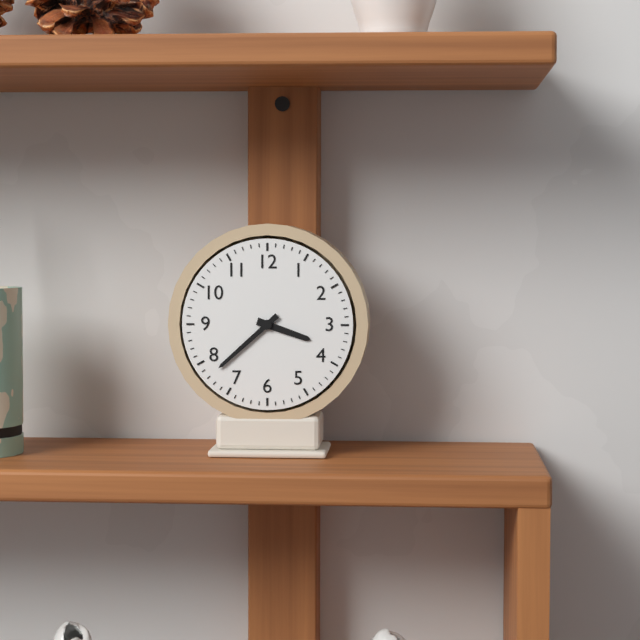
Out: 3,38
